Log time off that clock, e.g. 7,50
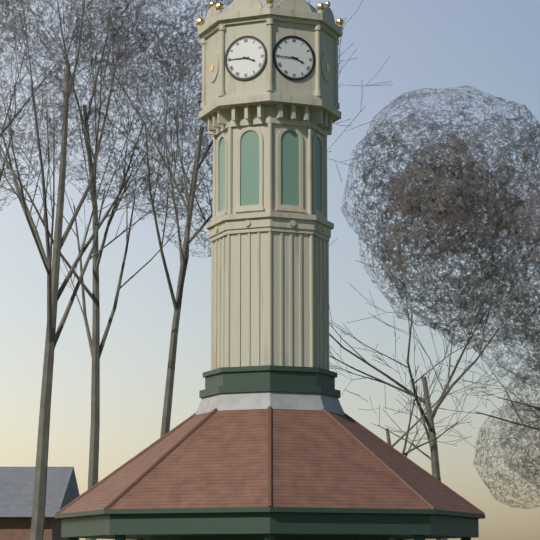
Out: 3,45
